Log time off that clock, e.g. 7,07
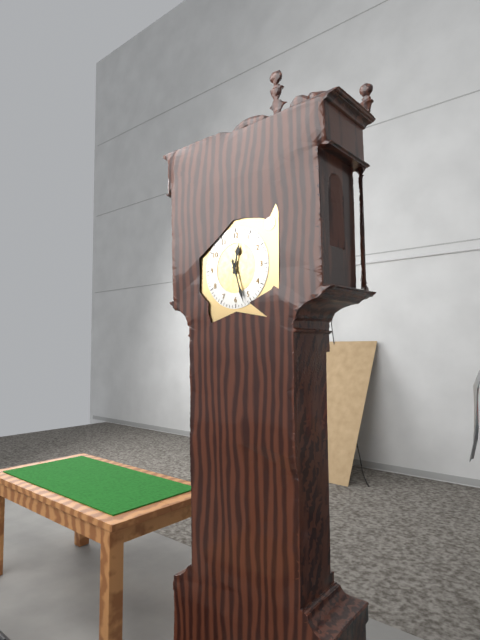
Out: 12,27
